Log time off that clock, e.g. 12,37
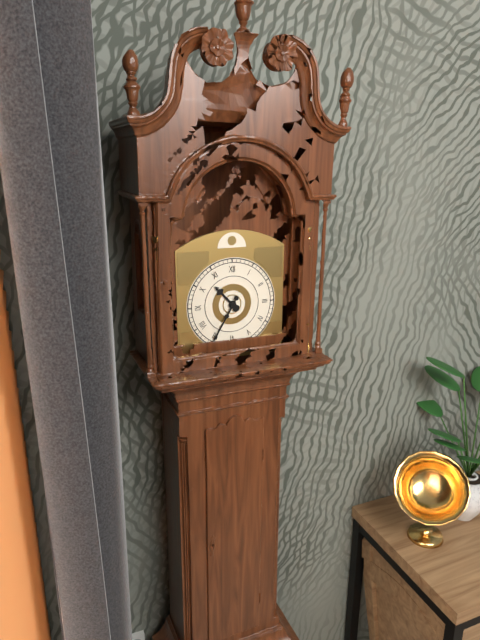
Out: 10,35
